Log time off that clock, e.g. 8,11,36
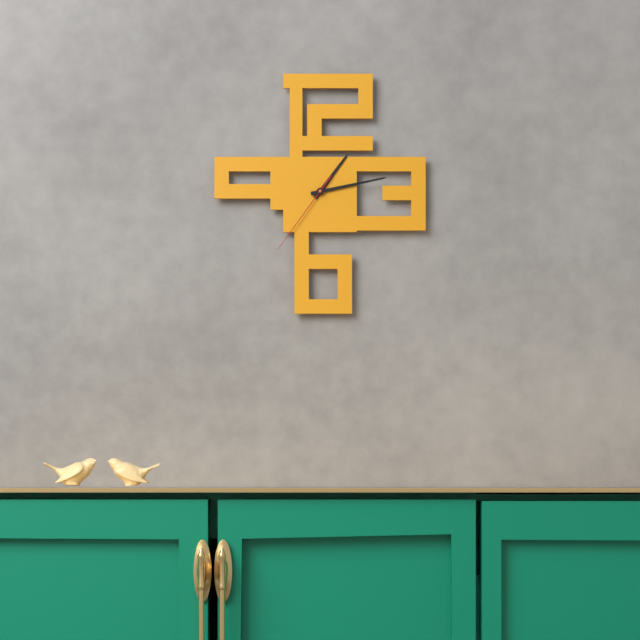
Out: 1,13,36
